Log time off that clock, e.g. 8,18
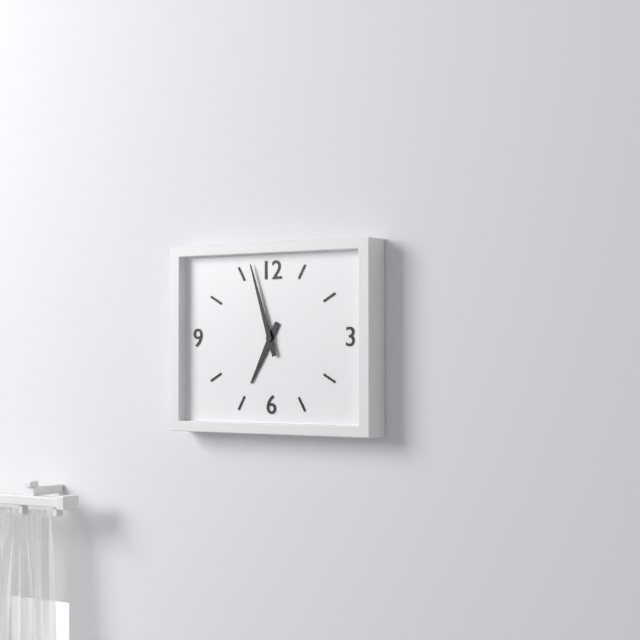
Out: 6,57
